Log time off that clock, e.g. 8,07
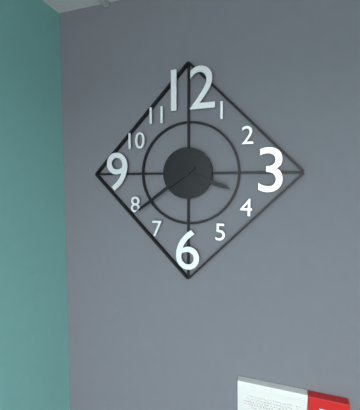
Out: 3,39
